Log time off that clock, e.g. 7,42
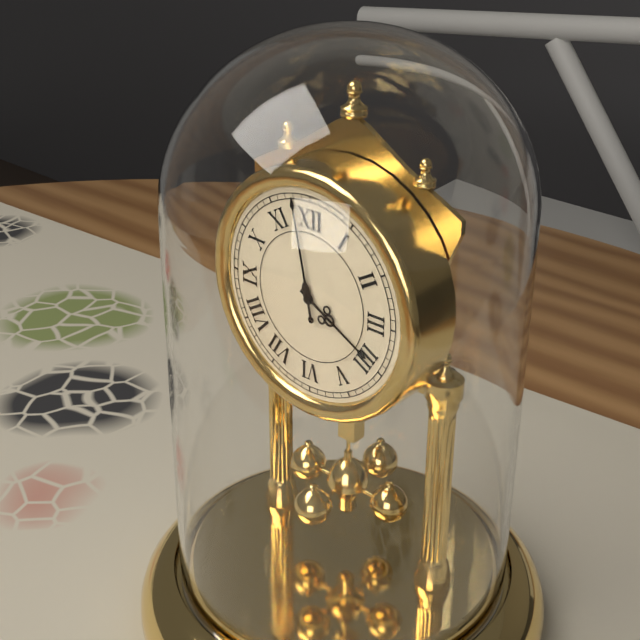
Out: 3,58
